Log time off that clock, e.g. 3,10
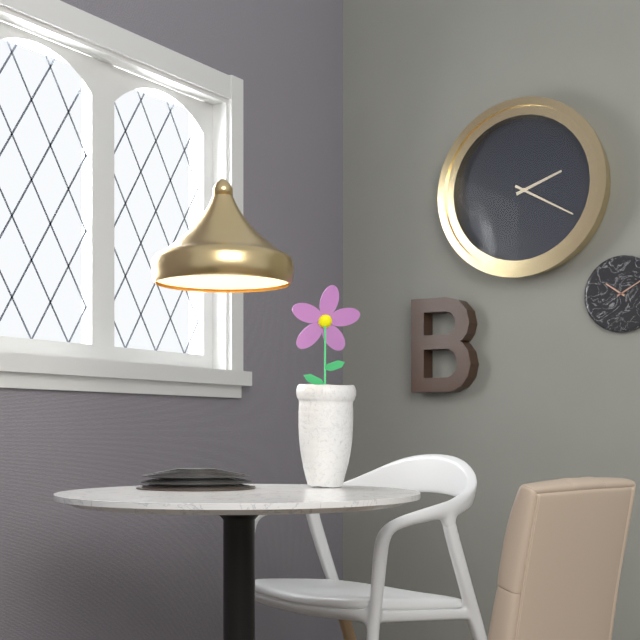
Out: 2,20
